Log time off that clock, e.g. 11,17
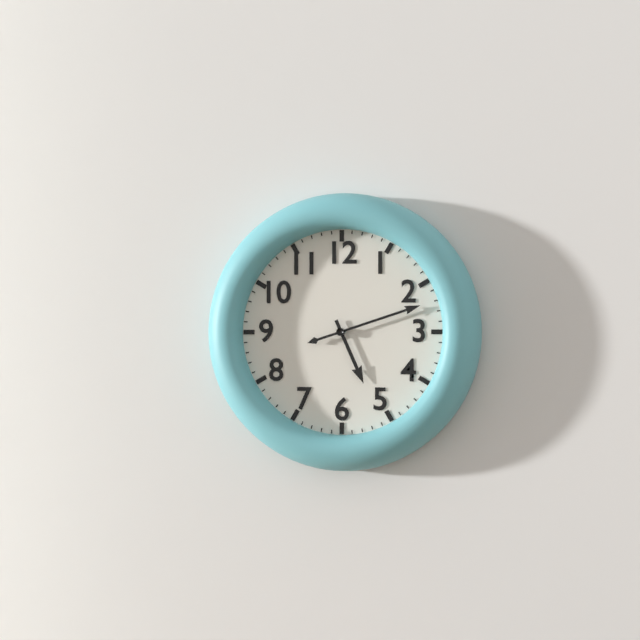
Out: 5,12
